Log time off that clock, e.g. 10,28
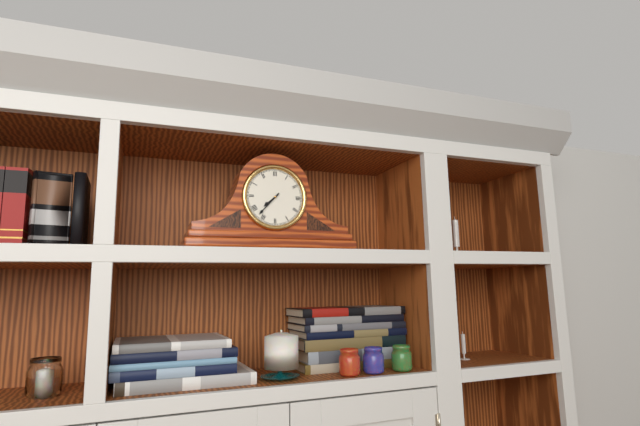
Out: 7,37
